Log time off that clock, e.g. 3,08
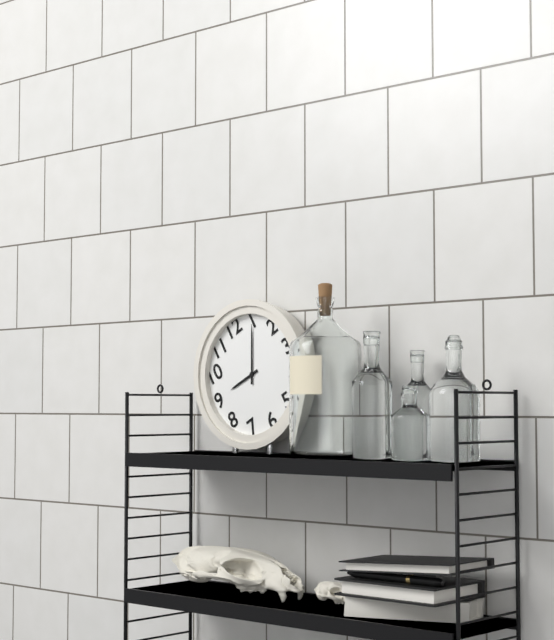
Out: 9,05
